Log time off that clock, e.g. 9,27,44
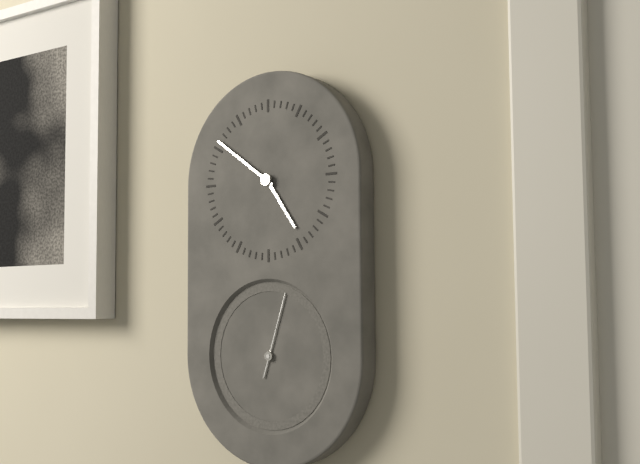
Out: 4,51,03
